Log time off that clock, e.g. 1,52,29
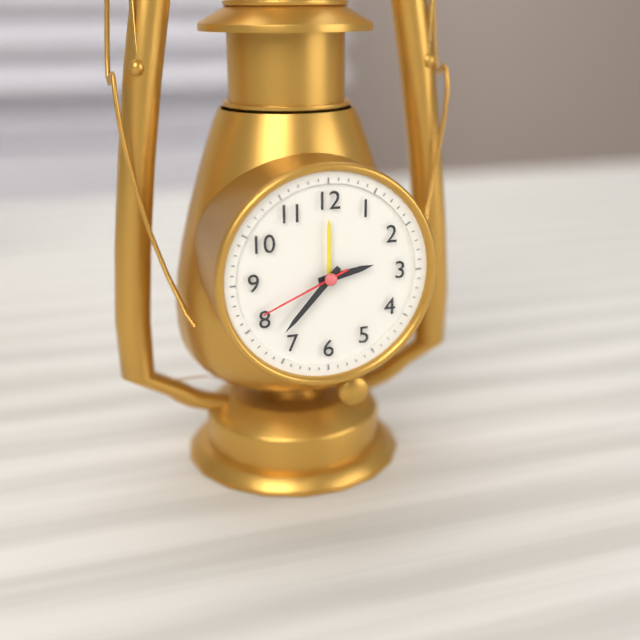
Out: 2,37,41
